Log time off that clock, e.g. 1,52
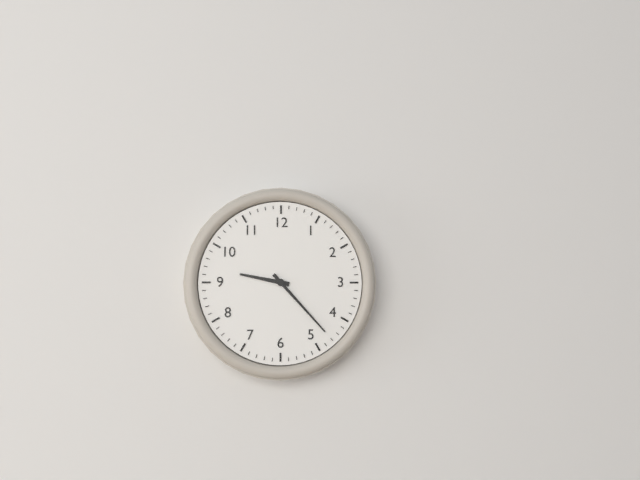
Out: 9,23
